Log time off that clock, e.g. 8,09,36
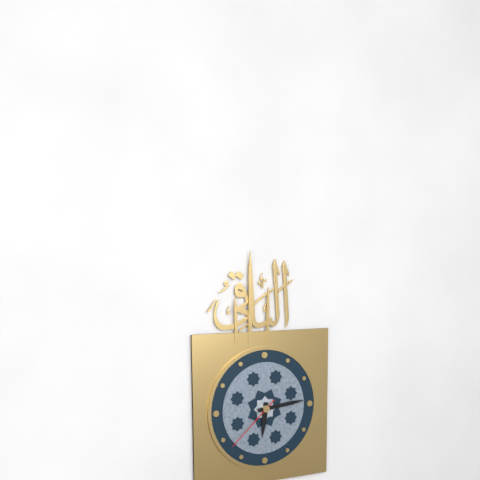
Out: 6,14,38
